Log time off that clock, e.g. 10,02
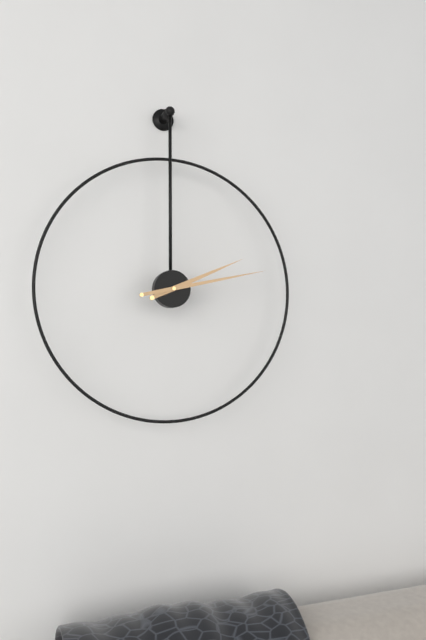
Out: 2,13
